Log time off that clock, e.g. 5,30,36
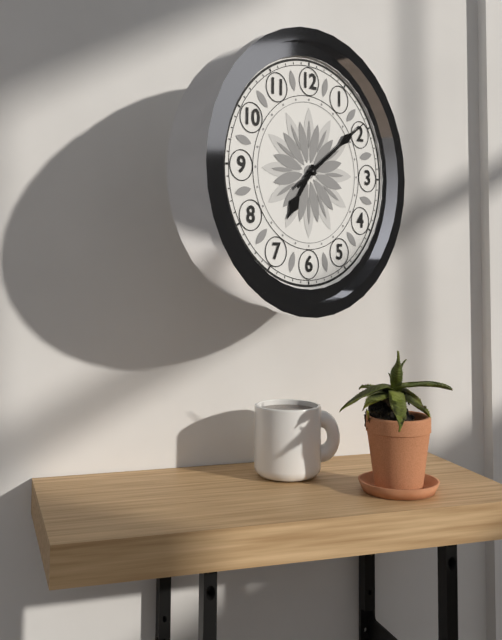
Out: 7,09,09
